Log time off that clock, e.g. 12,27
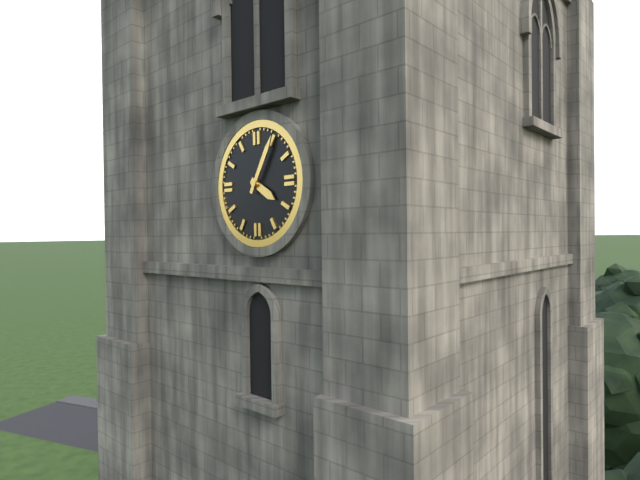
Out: 4,05
